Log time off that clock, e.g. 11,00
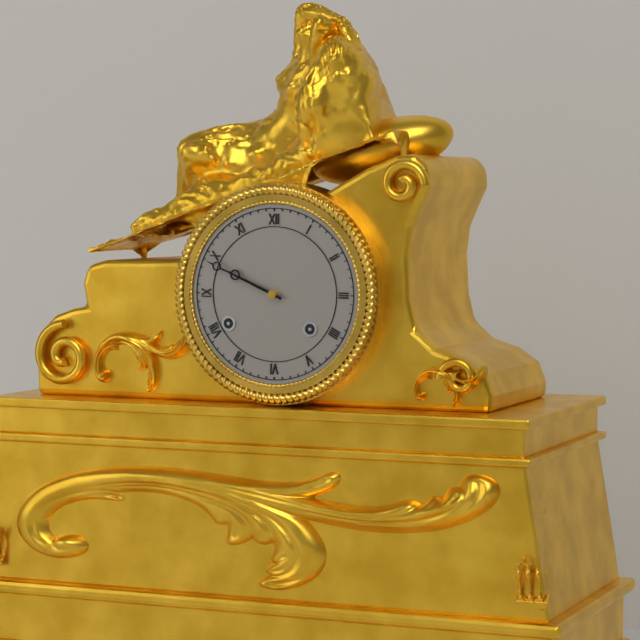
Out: 9,49
